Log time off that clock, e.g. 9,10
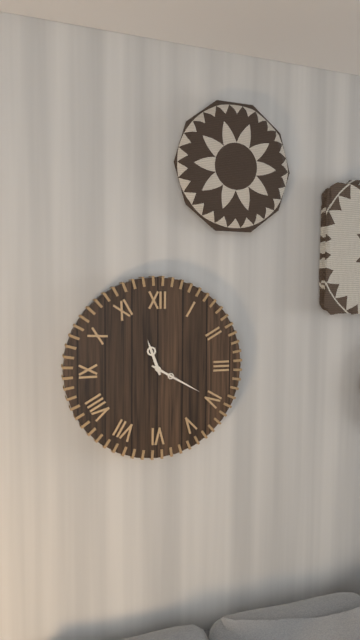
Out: 11,20
